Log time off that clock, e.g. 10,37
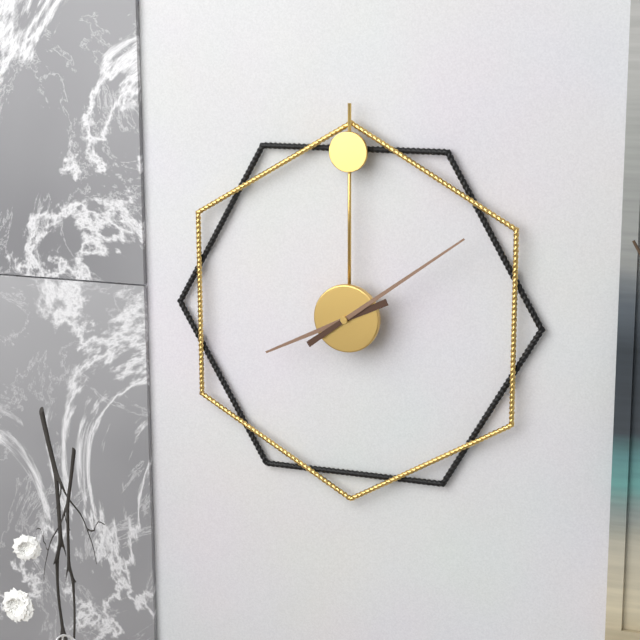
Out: 8,09
